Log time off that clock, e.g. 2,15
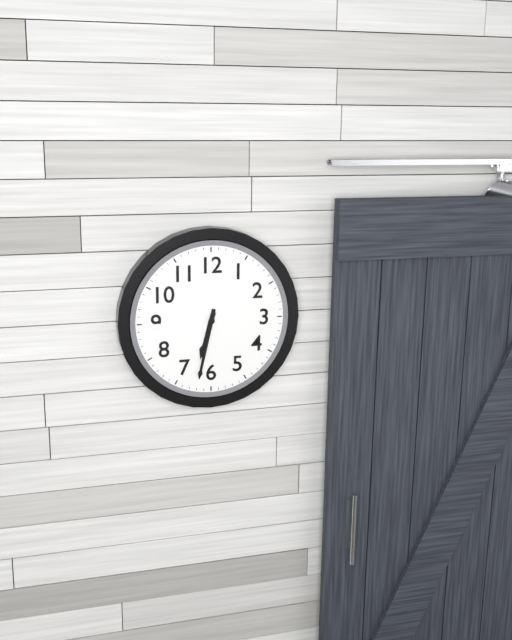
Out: 6,32
